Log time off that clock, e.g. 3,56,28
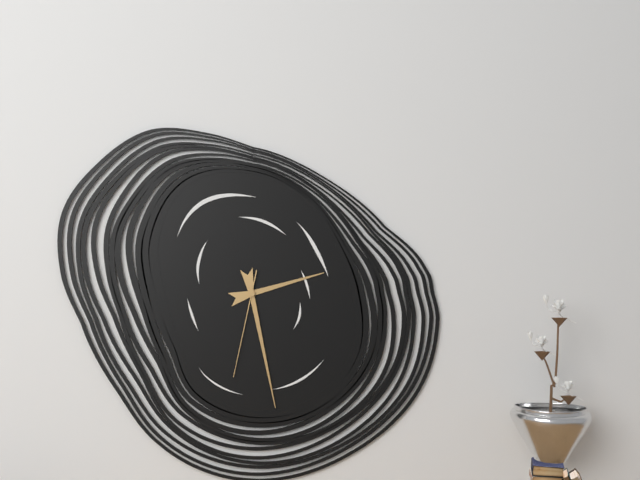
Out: 2,28,32
